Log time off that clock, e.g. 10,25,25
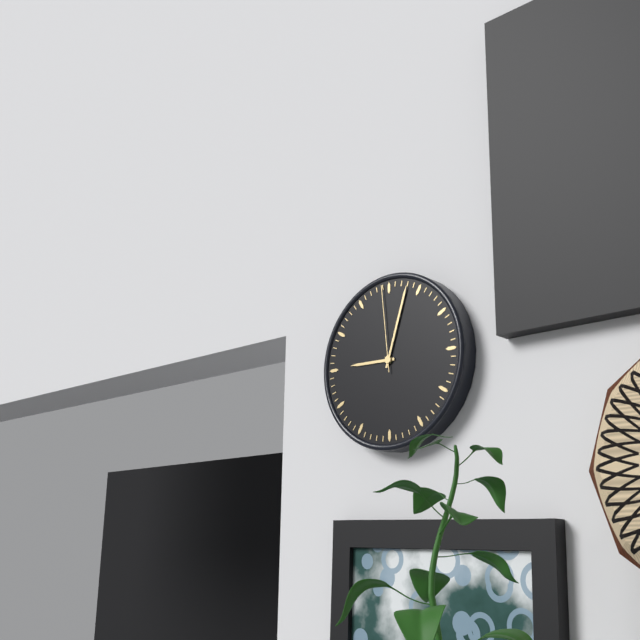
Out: 9,03,59
